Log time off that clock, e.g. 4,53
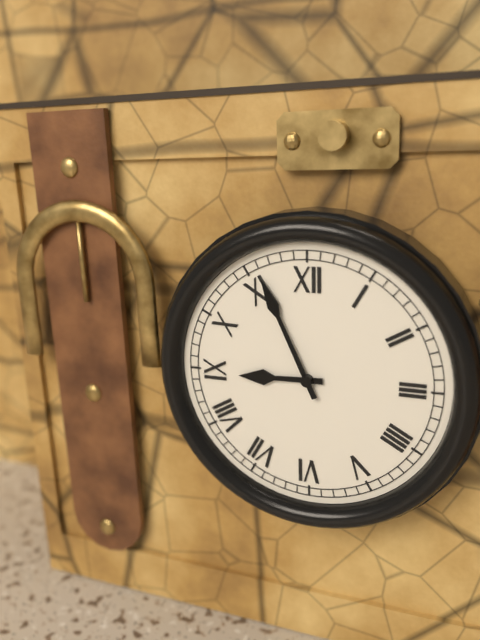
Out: 8,56
